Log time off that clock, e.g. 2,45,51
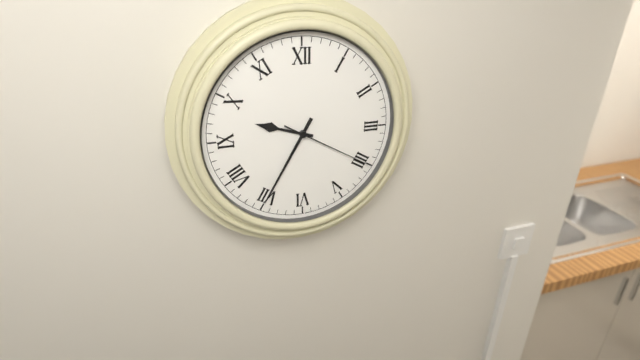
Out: 9,35,20
